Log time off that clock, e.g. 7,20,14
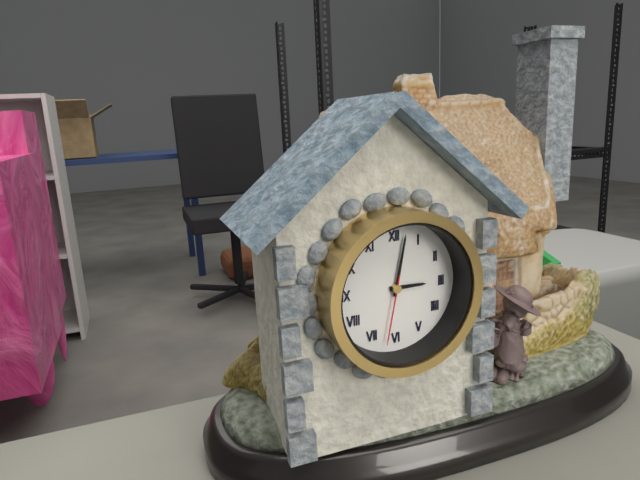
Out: 3,02,32
